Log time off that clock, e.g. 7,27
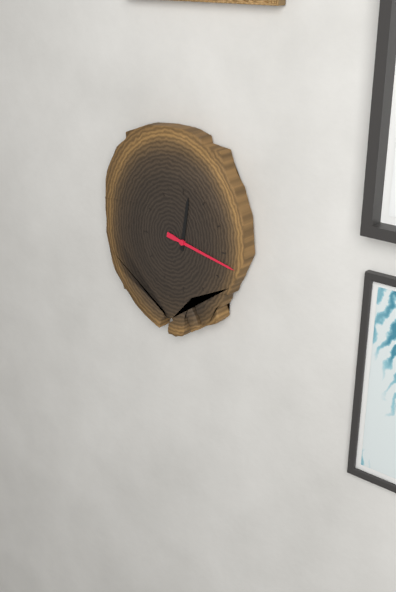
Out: 12,17
